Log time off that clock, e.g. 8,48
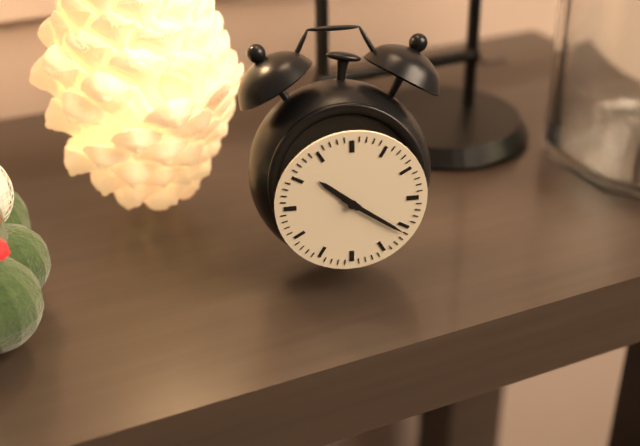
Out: 10,21
